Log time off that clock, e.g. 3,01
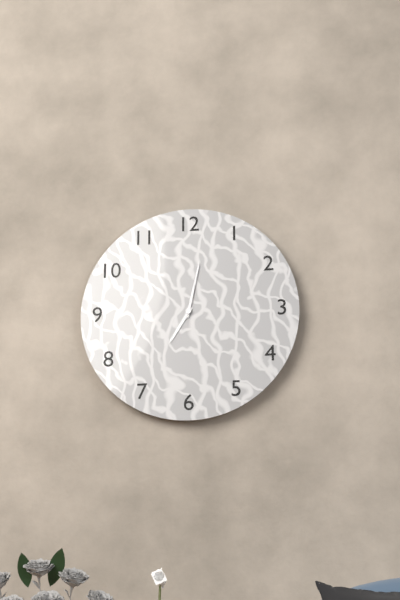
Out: 7,02
